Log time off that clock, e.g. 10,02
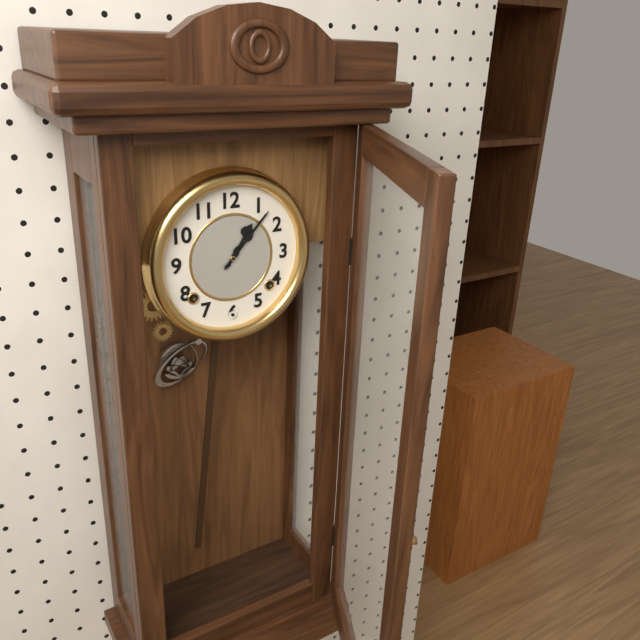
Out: 1,07
